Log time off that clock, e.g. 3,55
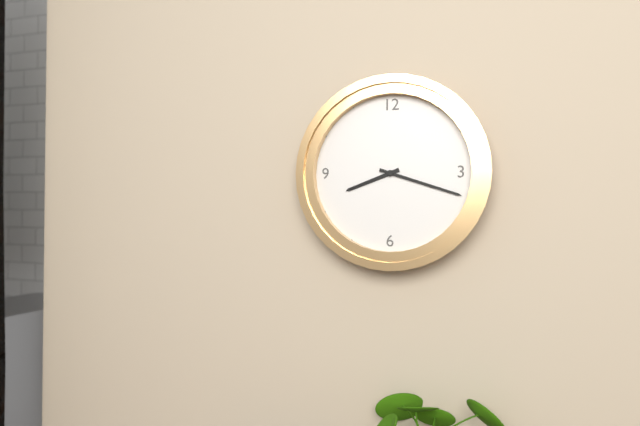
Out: 8,18
